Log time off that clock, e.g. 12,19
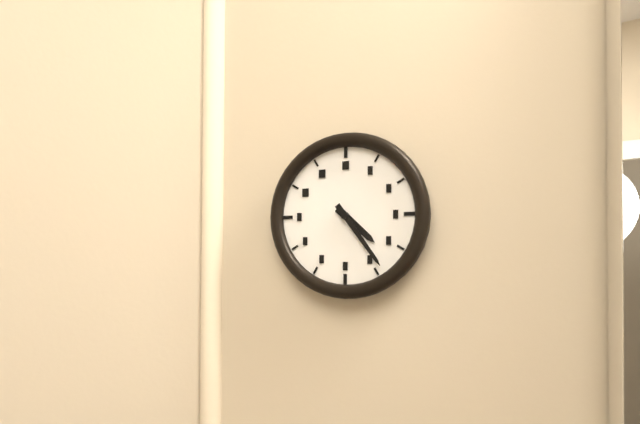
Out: 4,24
